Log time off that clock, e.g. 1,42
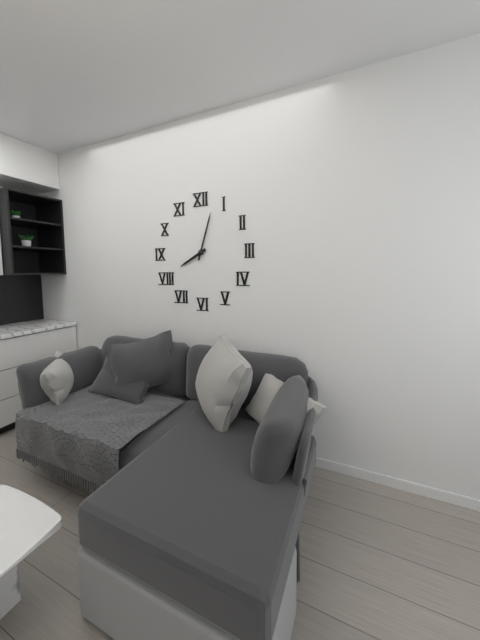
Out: 8,03
